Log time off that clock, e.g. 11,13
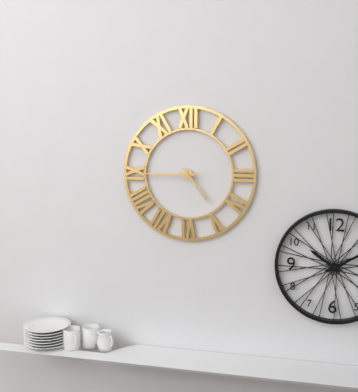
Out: 4,45
